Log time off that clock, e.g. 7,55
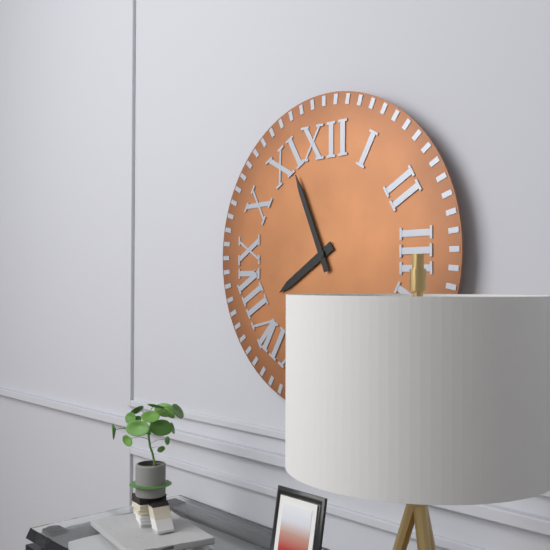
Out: 7,56
